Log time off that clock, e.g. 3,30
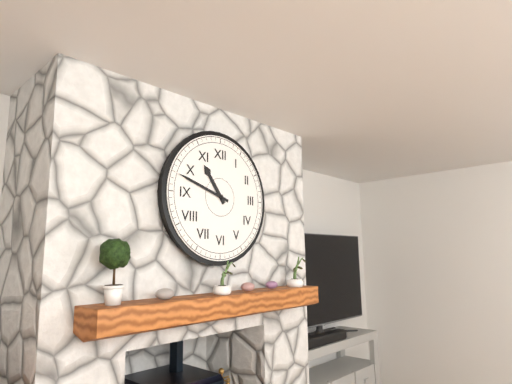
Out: 10,48
